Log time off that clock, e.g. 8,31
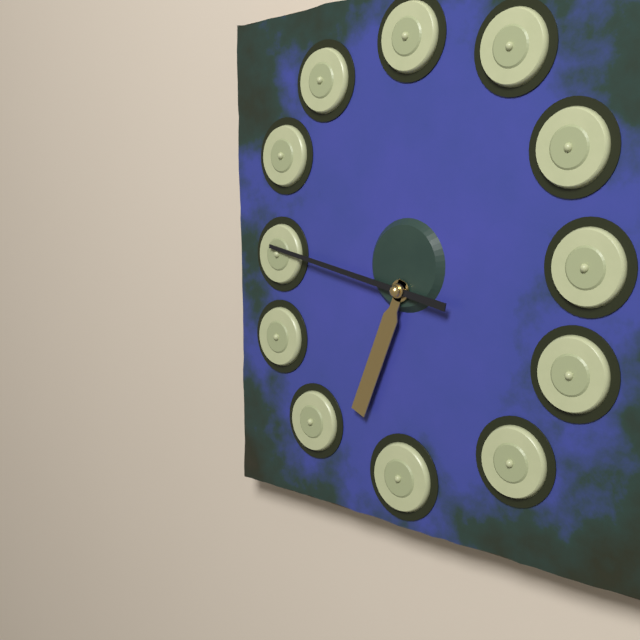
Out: 6,47
